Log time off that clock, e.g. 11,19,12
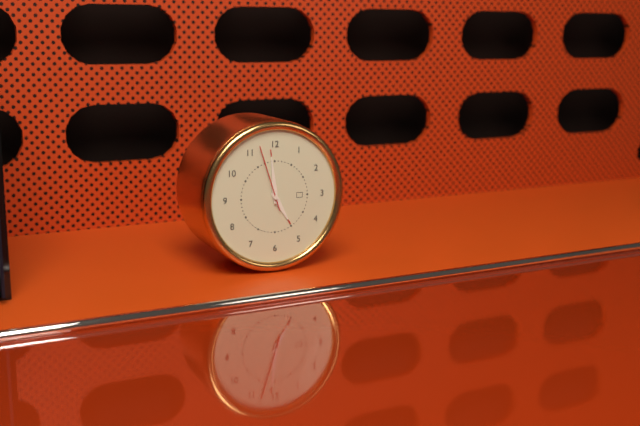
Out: 4,59,57
